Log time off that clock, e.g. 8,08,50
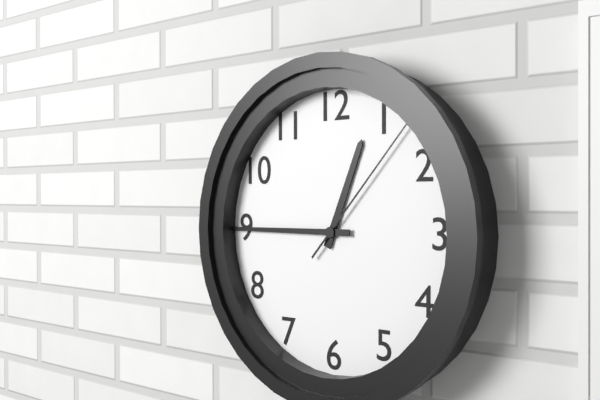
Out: 12,45,07
